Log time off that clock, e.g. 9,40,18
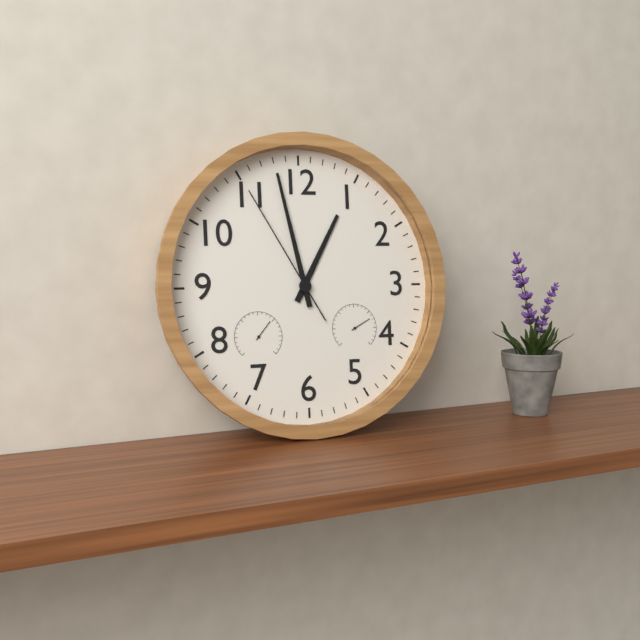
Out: 12,58,55
